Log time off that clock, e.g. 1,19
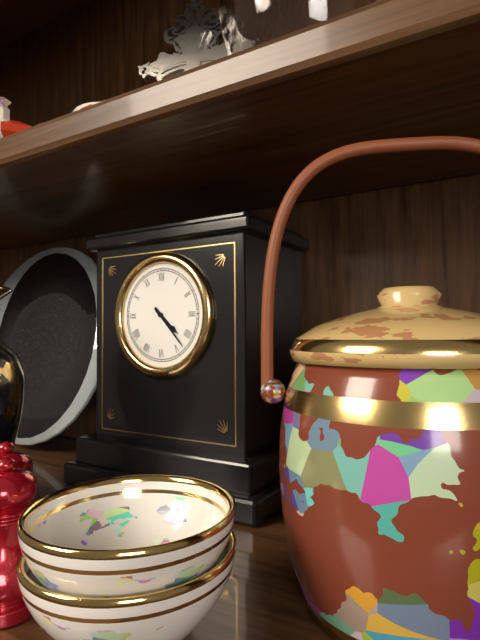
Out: 4,23
